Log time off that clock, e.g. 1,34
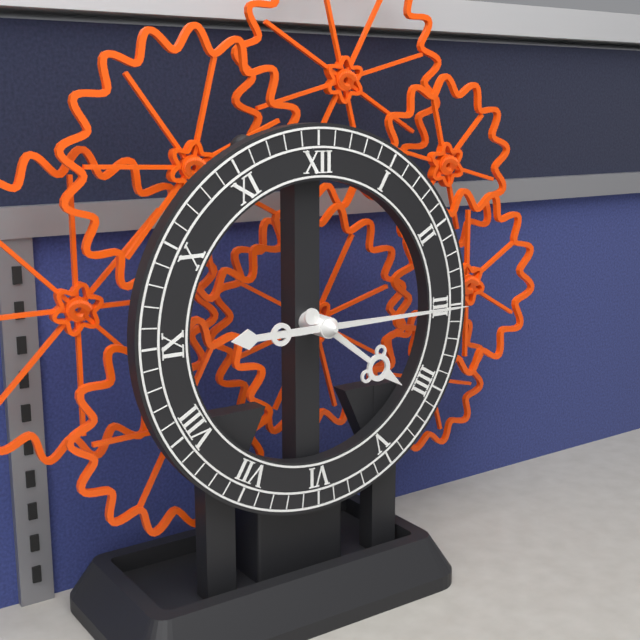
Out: 4,15
